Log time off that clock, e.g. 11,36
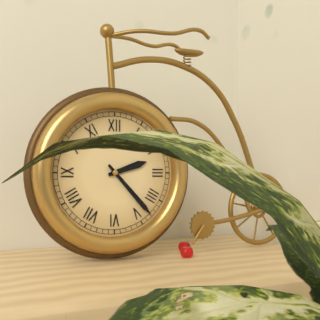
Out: 2,23
